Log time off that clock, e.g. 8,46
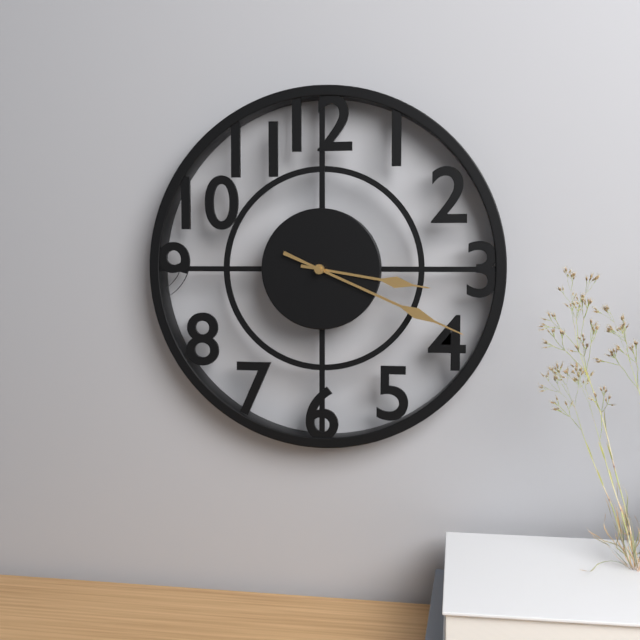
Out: 3,19
